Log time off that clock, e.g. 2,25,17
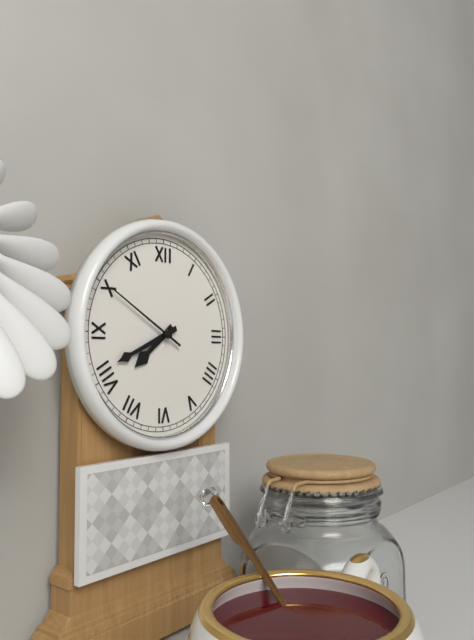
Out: 7,41,50
